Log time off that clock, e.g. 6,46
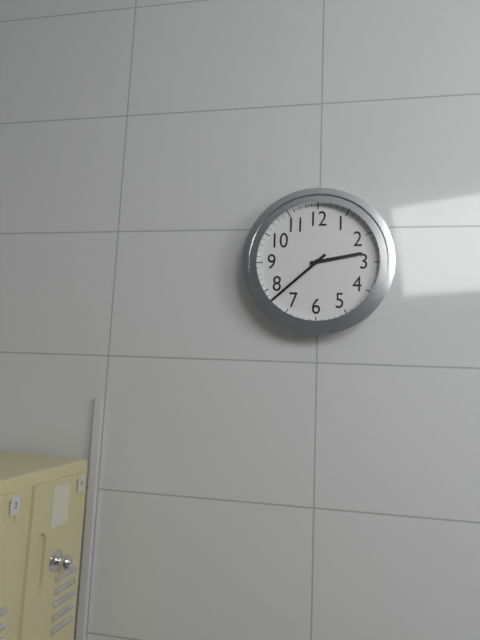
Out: 2,38
